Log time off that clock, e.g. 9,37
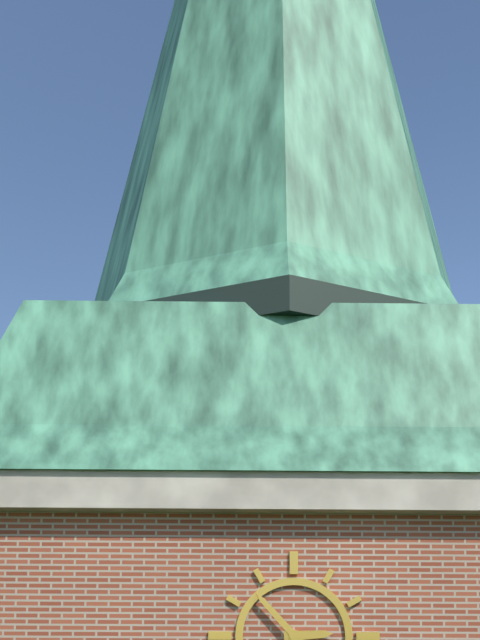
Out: 2,53
